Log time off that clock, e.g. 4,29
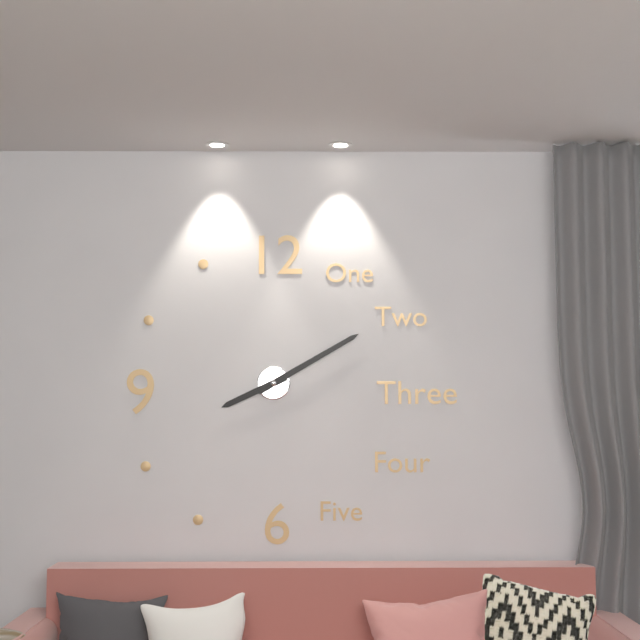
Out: 8,10
